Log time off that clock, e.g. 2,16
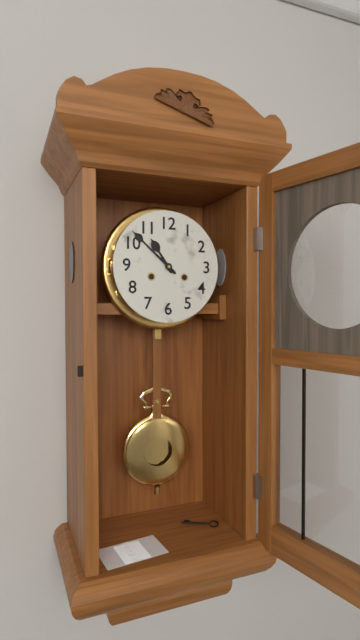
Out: 10,52
